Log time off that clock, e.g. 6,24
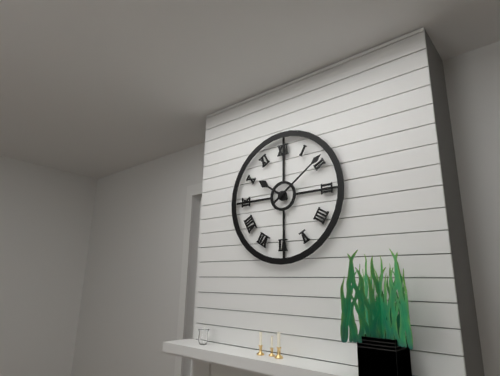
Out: 10,09
